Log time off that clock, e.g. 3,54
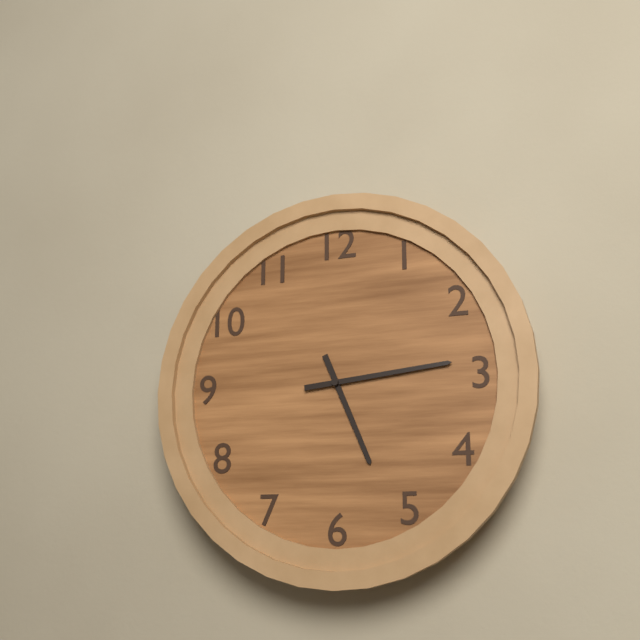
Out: 5,14
